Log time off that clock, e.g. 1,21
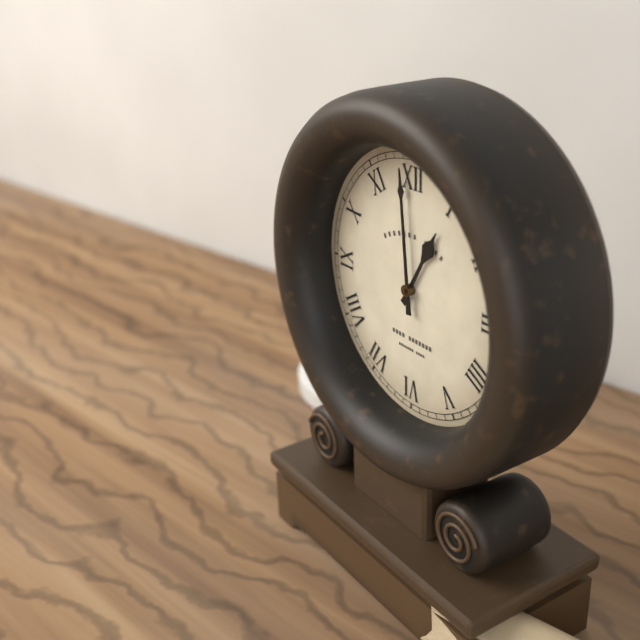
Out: 12,59
